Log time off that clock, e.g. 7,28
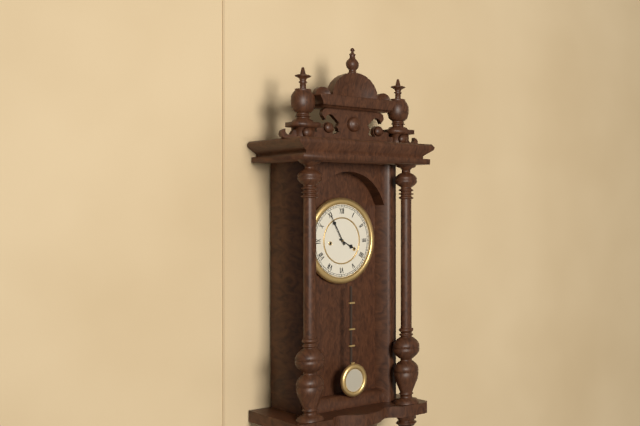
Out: 3,55
